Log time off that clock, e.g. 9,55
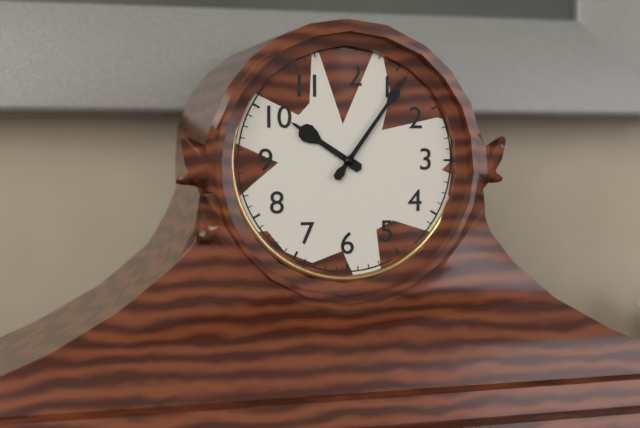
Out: 10,06
